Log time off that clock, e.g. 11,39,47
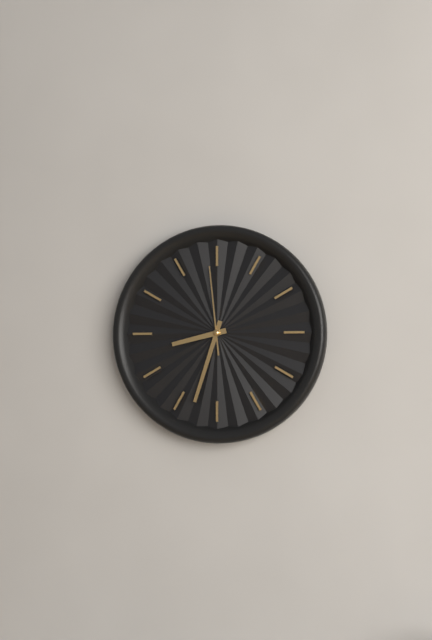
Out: 8,33,59
